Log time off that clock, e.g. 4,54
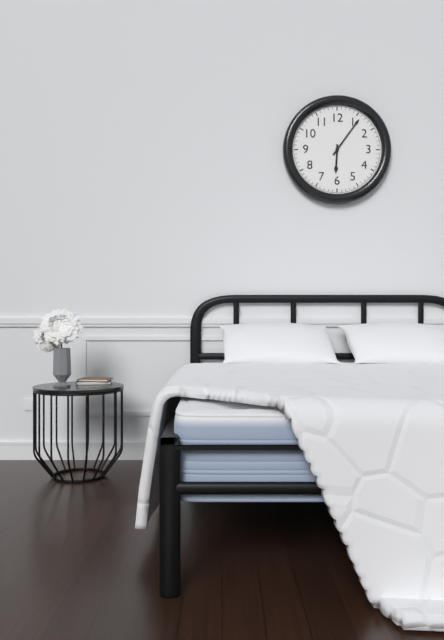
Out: 6,06
